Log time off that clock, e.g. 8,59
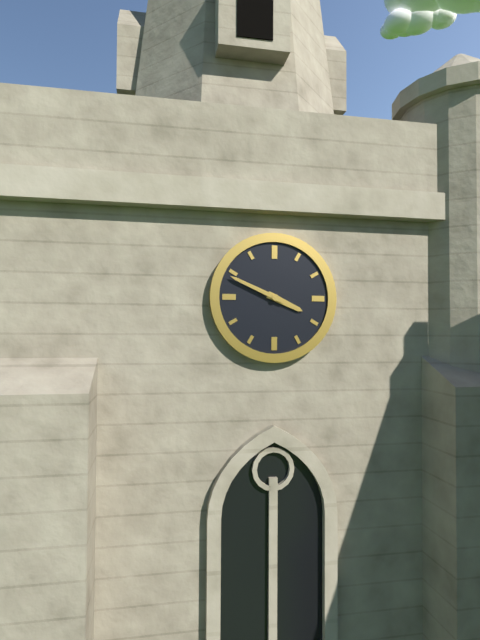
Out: 3,49
